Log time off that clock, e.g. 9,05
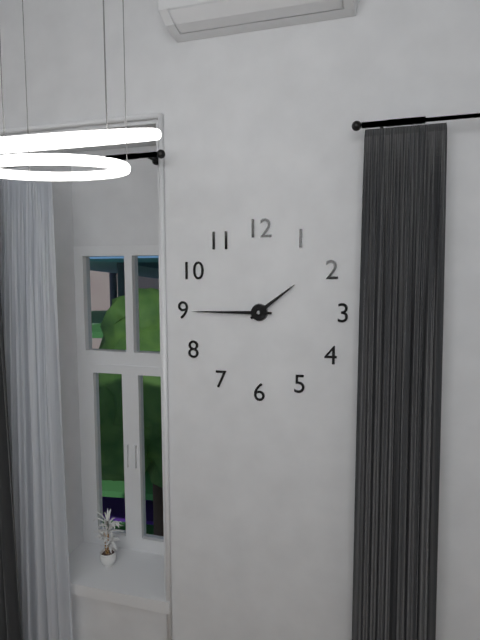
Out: 1,45
